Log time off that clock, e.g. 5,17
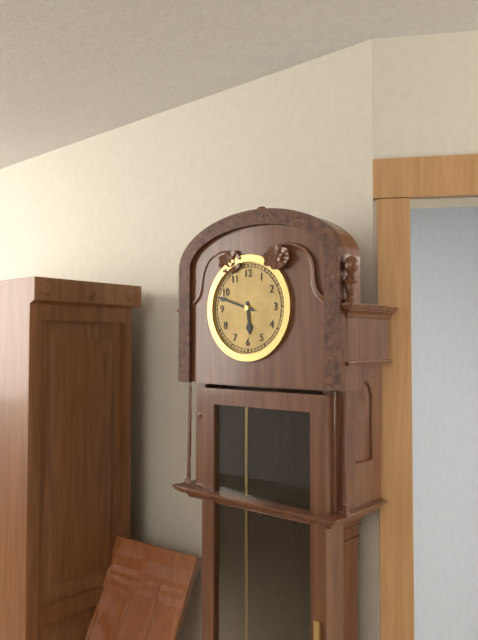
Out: 5,48
